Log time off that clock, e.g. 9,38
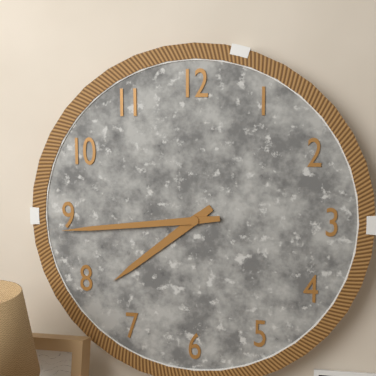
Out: 7,44
